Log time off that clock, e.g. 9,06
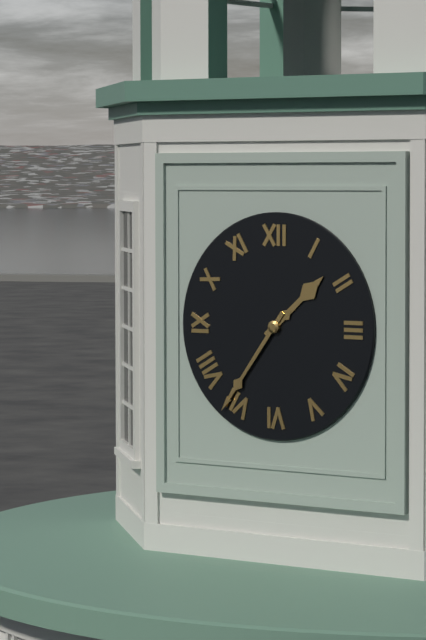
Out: 1,36
